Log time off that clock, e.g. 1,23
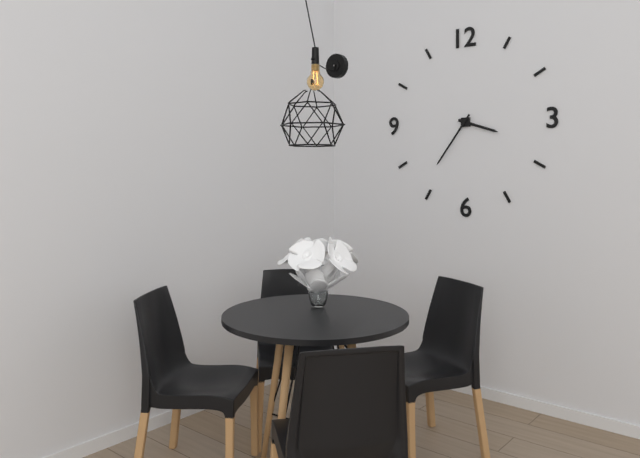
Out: 3,36
